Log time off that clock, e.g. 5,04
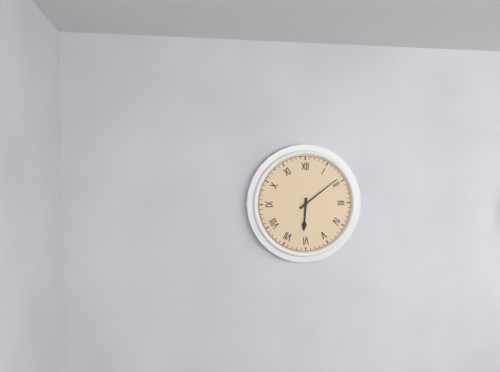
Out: 6,09
